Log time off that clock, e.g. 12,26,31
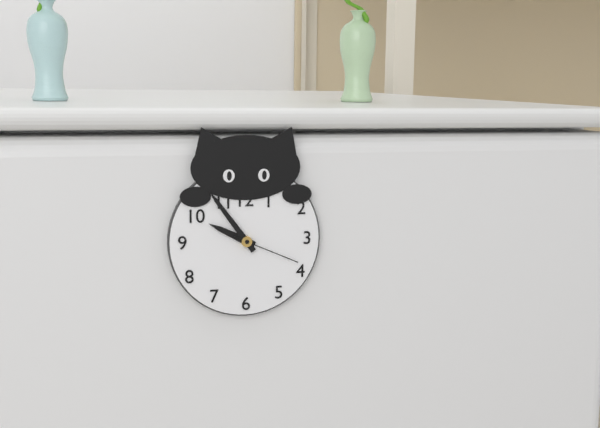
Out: 9,54,19
